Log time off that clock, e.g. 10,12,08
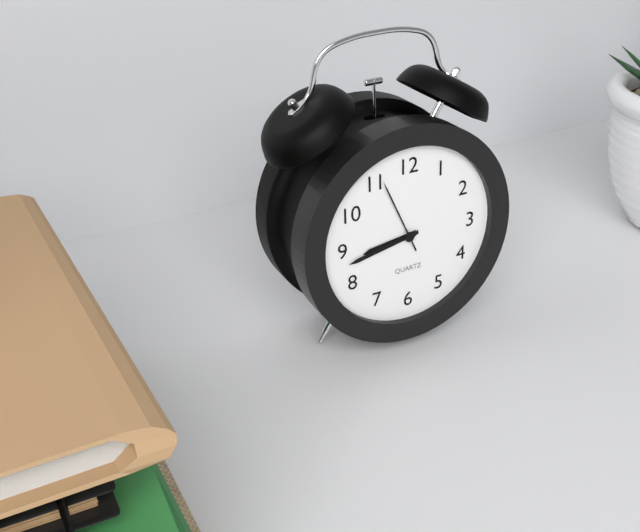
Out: 8,43,56
